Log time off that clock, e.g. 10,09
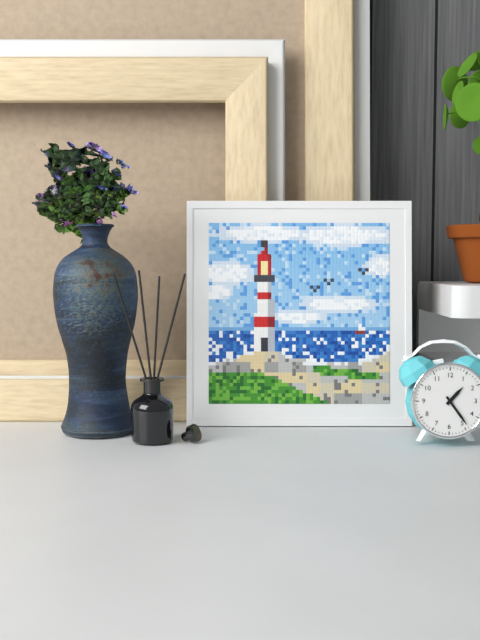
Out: 1,24
